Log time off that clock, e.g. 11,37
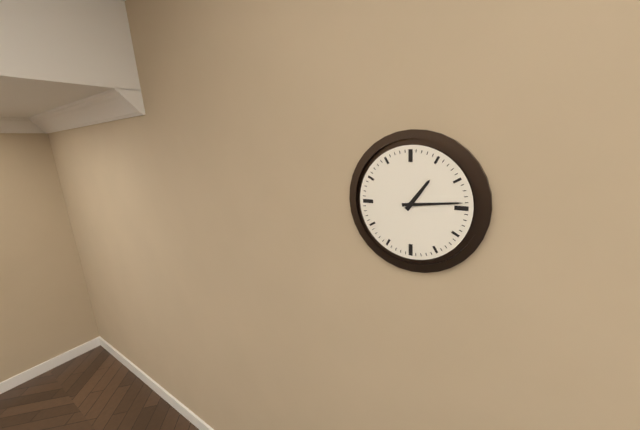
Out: 1,14
